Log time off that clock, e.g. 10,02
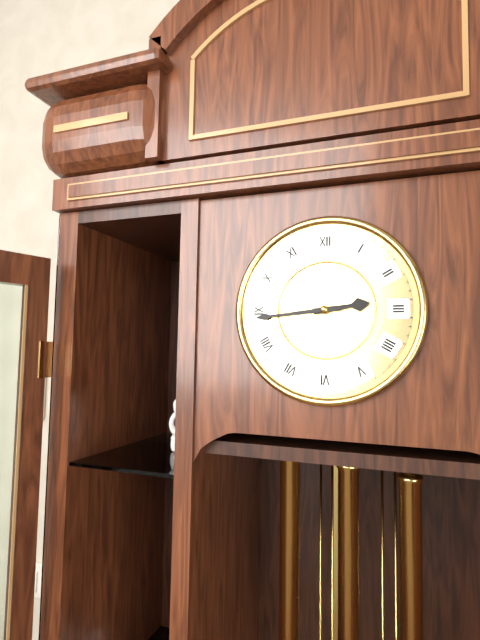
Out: 2,44
